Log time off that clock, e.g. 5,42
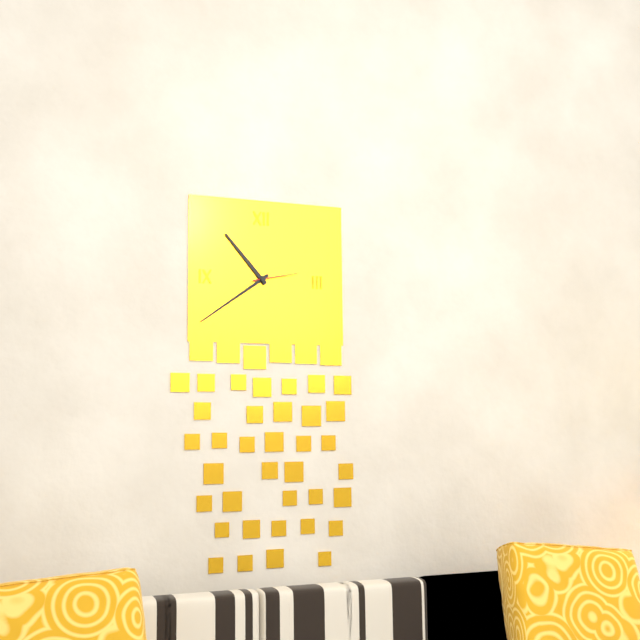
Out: 10,39
